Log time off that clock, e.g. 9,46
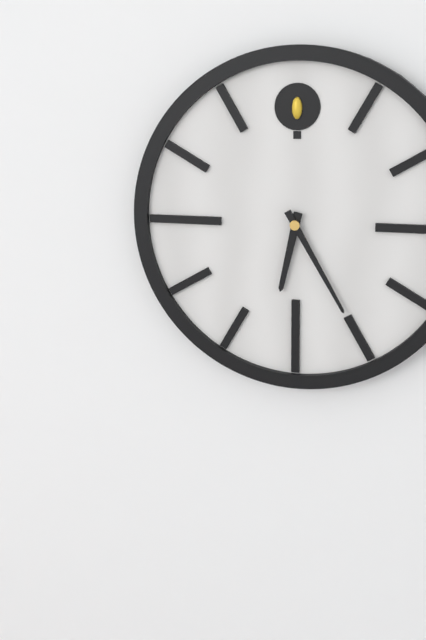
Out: 6,25
